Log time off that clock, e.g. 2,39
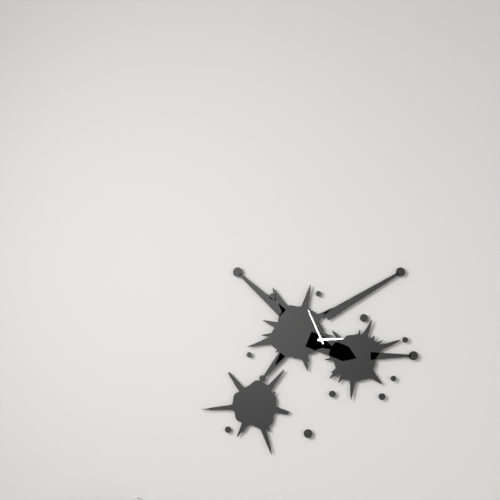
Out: 2,56
